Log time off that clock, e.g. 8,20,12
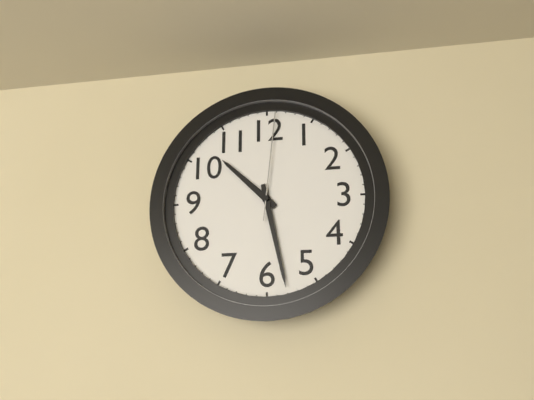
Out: 10,28,01
